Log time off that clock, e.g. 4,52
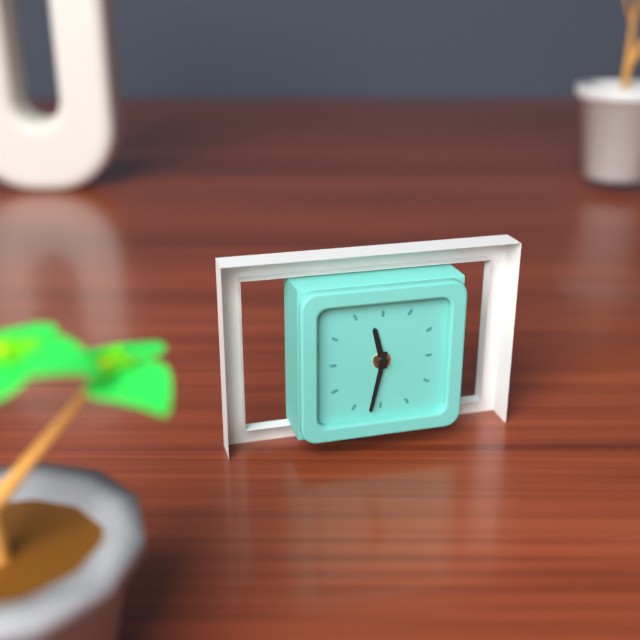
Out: 11,32
